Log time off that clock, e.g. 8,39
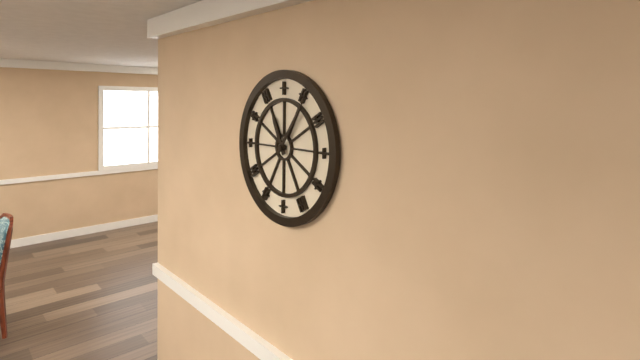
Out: 11,06
